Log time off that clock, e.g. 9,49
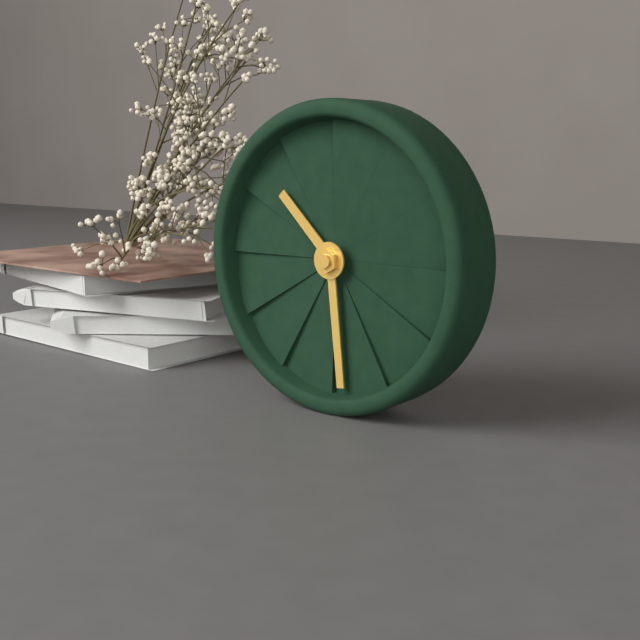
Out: 10,29
